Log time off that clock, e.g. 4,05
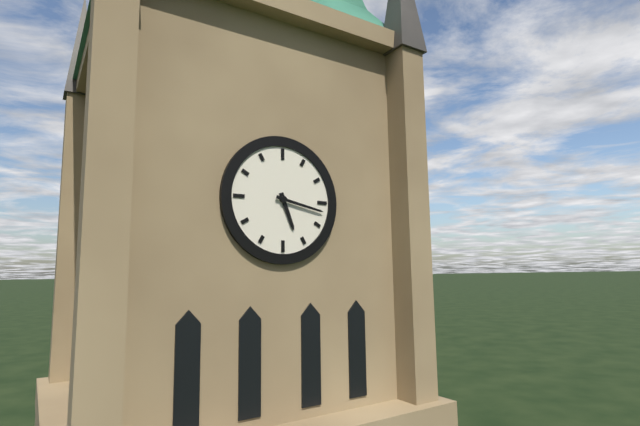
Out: 5,17
